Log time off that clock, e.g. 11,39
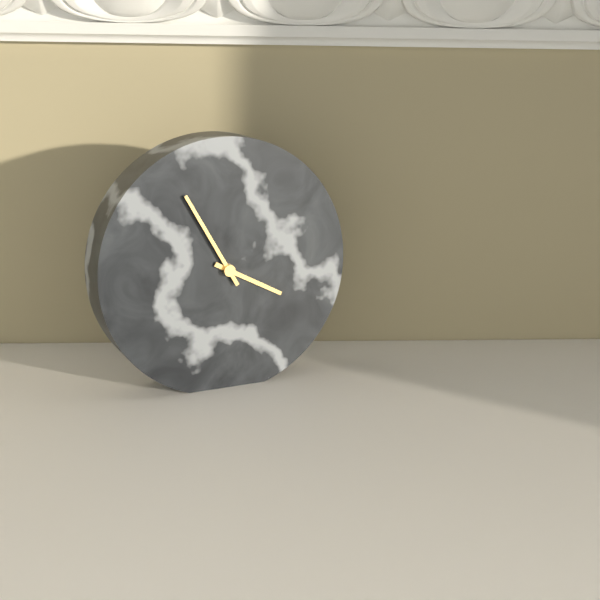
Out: 3,55
